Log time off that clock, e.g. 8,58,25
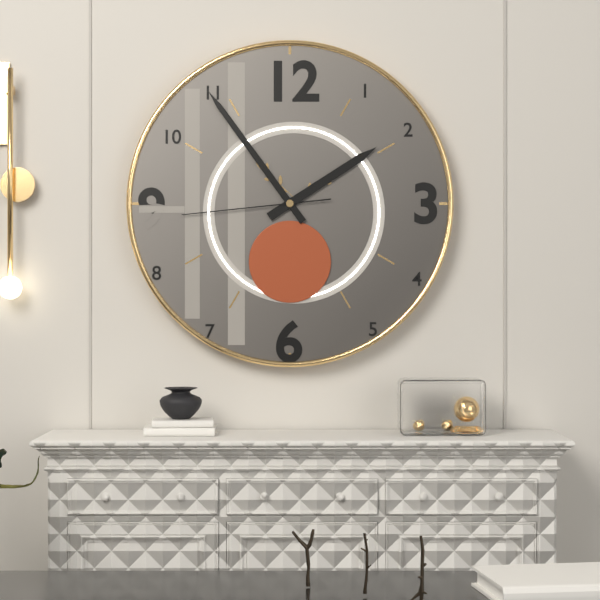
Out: 1,54,44
